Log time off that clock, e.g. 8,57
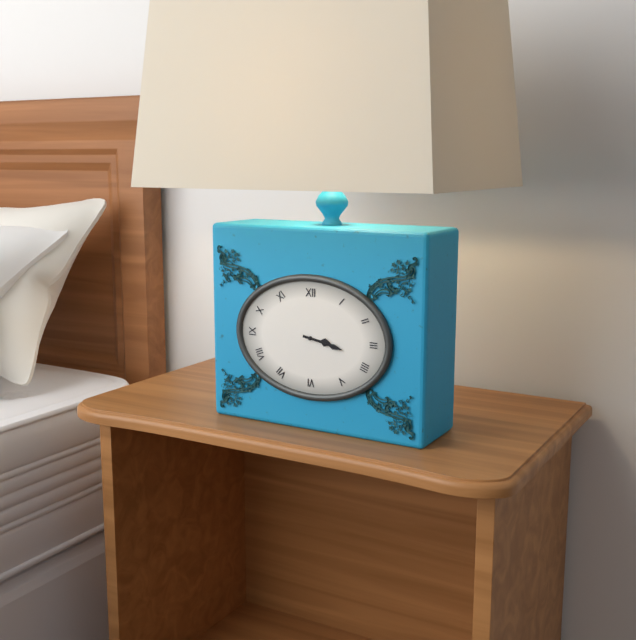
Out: 3,17
